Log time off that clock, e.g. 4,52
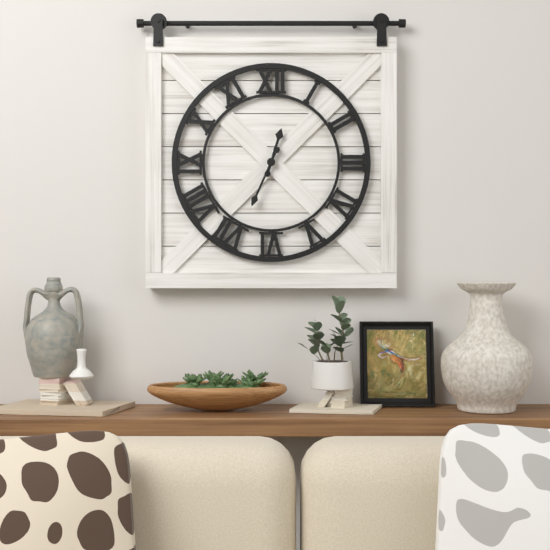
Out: 12,34
